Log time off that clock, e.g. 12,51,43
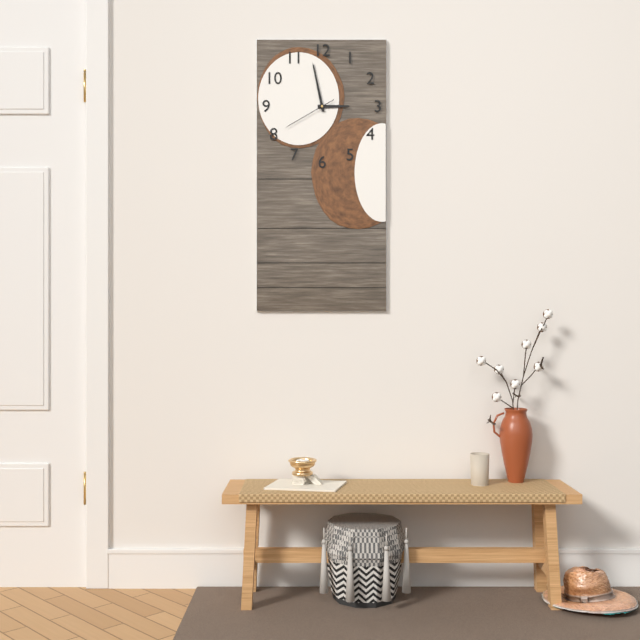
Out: 2,58,40
